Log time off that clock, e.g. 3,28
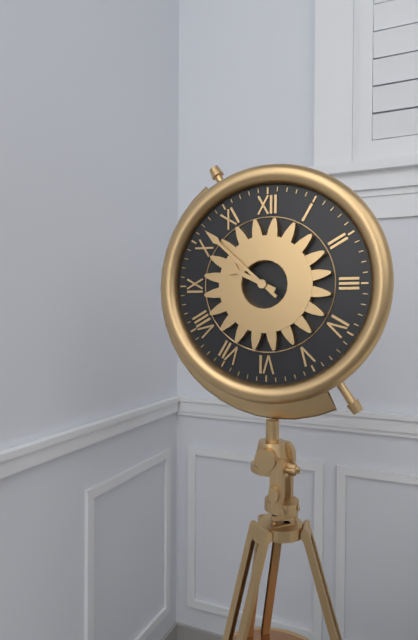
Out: 9,52
